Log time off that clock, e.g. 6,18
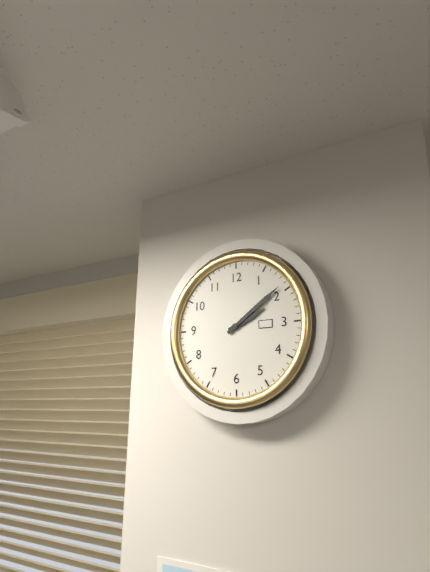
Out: 2,09
